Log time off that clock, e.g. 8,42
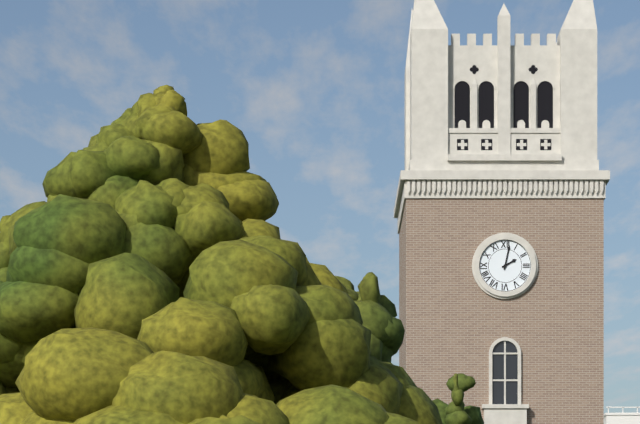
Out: 2,02
